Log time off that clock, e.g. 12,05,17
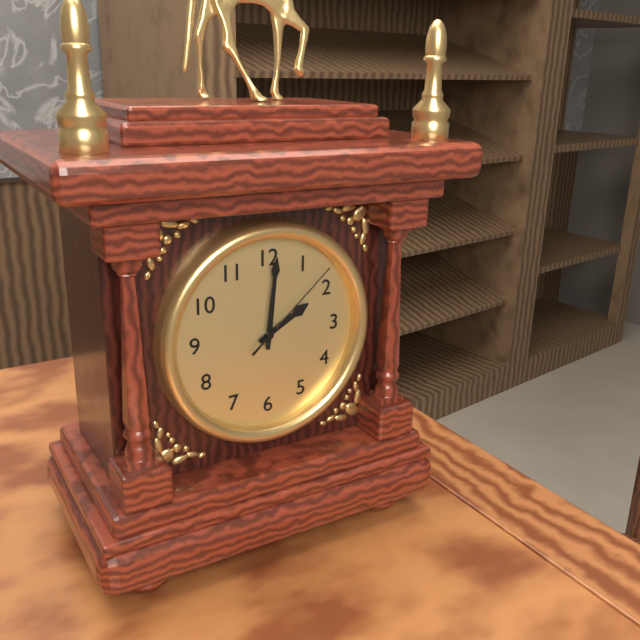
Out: 2,01,08
